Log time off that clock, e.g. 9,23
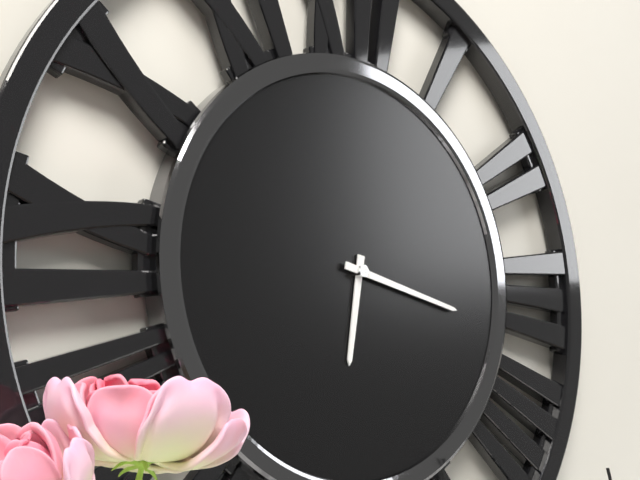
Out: 6,17
